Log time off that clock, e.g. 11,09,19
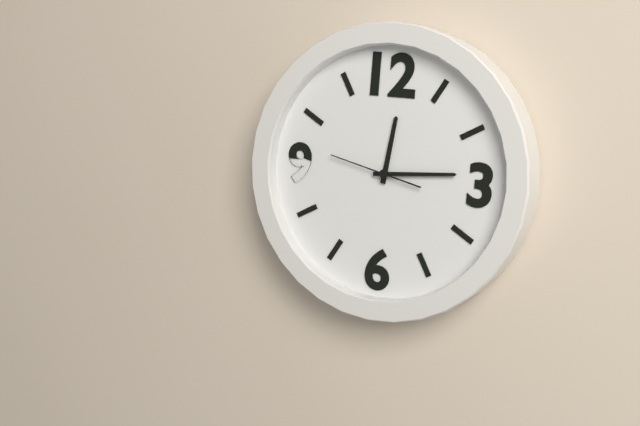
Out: 12,14,47
